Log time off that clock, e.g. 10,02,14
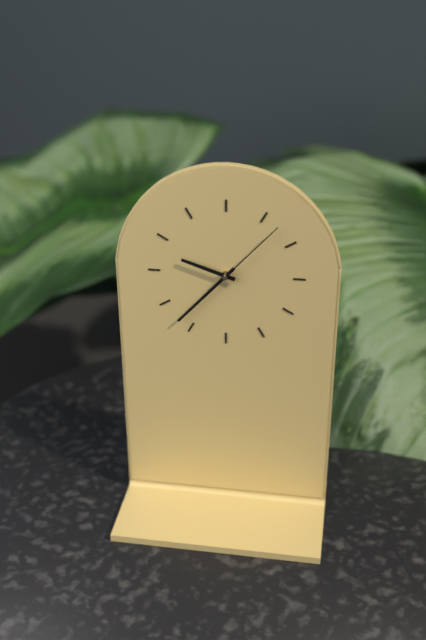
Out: 9,37,07
